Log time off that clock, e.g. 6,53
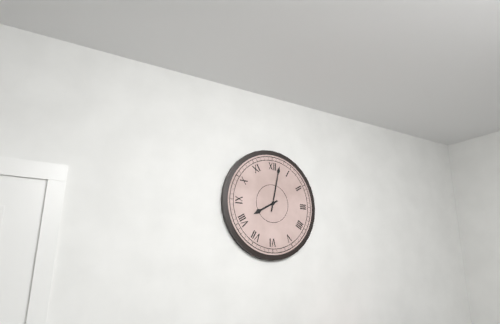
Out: 8,02
